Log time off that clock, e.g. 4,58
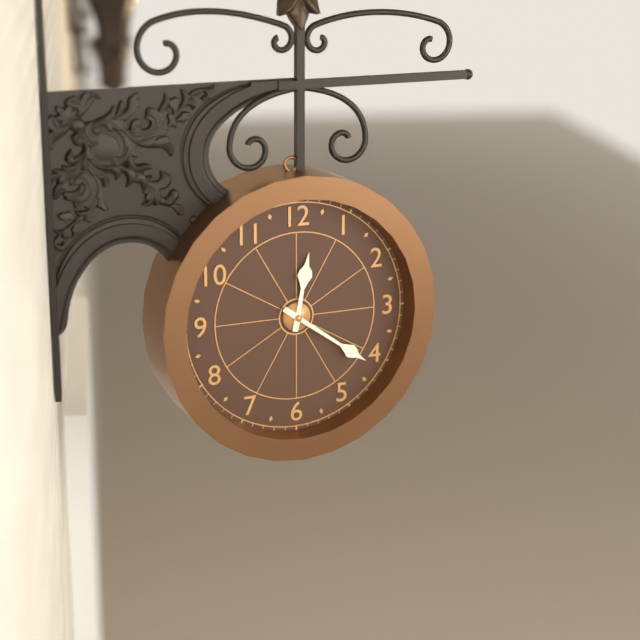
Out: 12,21
